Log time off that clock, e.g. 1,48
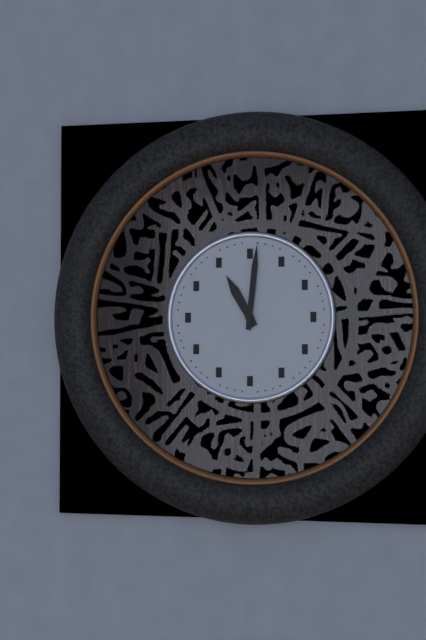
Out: 11,01
